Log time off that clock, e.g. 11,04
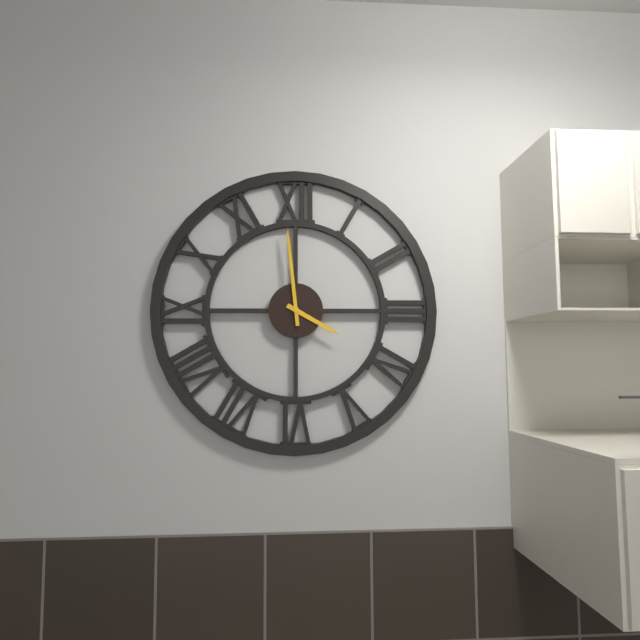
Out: 3,59
